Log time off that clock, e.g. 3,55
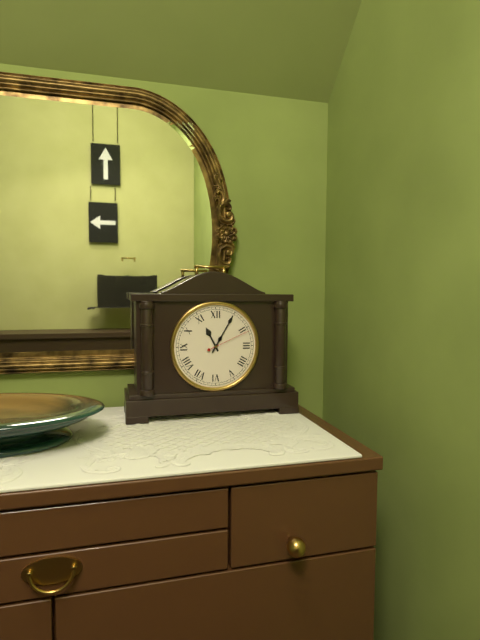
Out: 11,05
